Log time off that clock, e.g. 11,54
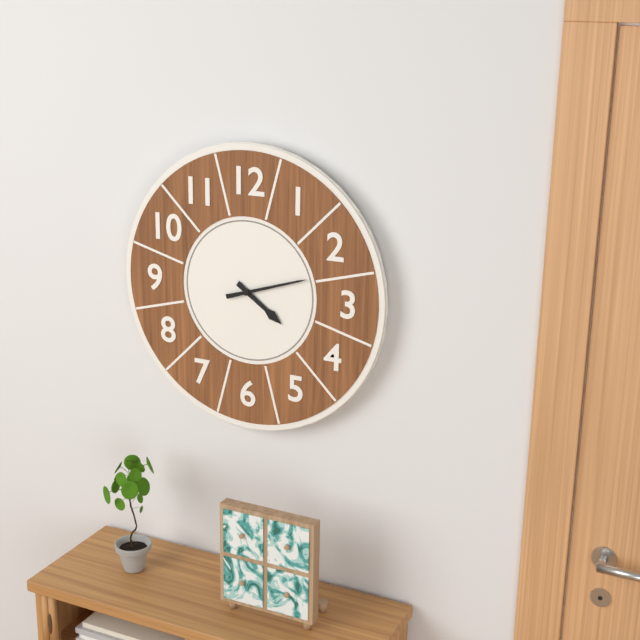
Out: 4,12
